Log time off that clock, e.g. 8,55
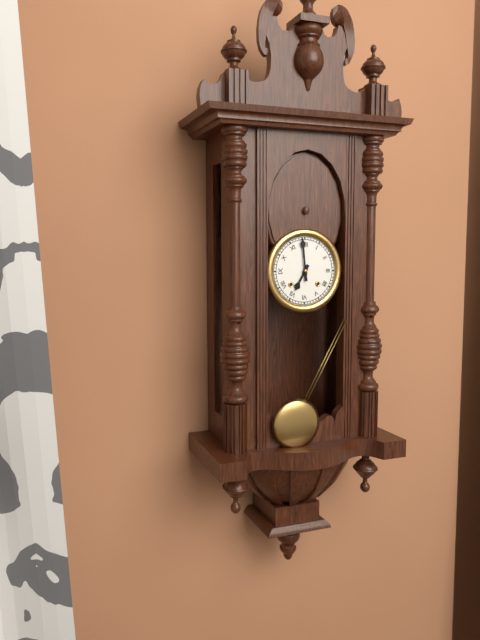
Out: 6,59
